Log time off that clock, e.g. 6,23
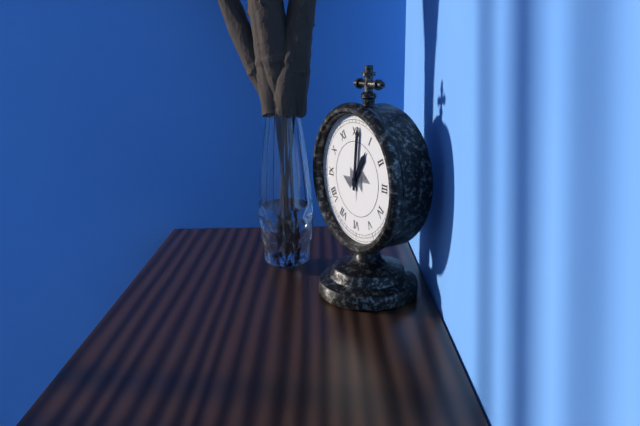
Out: 1,01
